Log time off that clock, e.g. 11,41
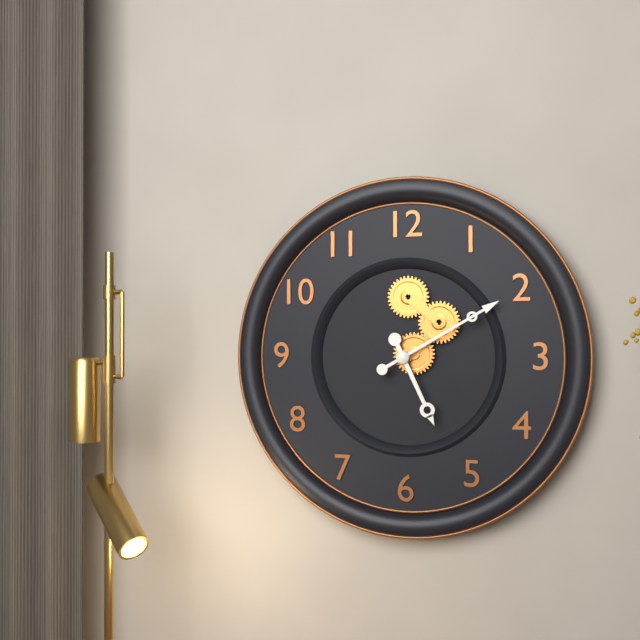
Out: 5,10
